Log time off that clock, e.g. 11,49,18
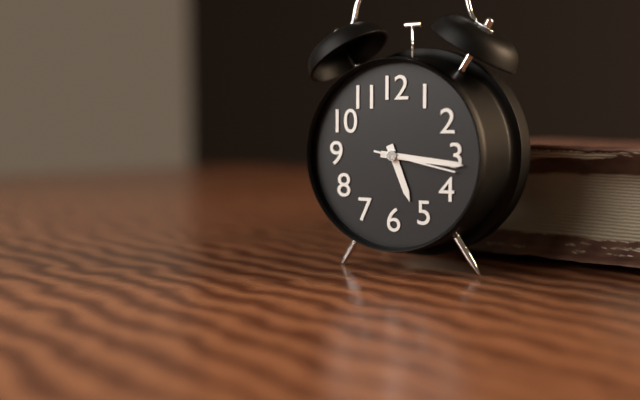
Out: 5,16,17
